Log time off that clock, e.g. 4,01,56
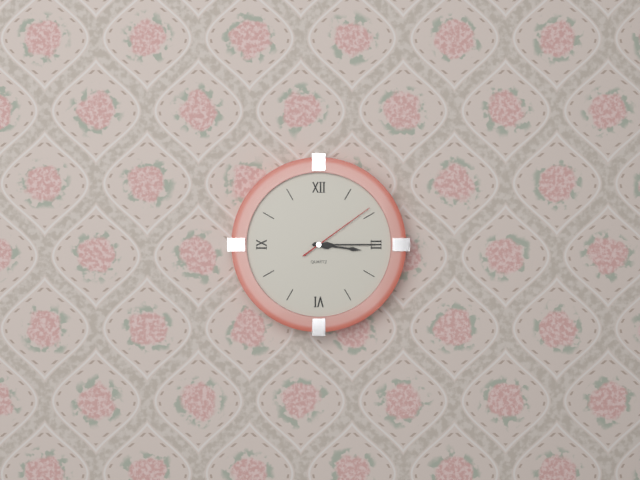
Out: 3,15,09
